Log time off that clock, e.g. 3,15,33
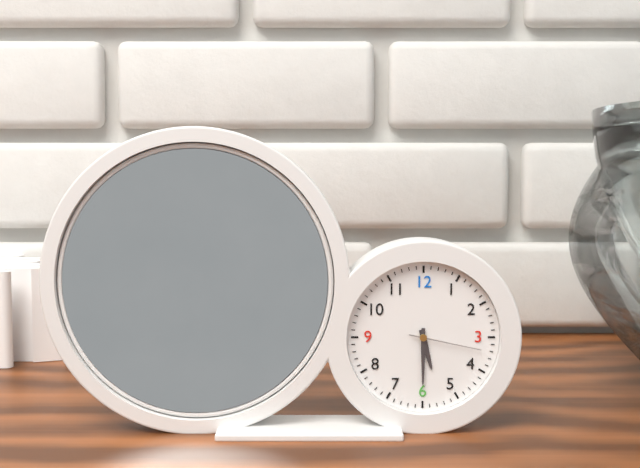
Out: 5,30,17
